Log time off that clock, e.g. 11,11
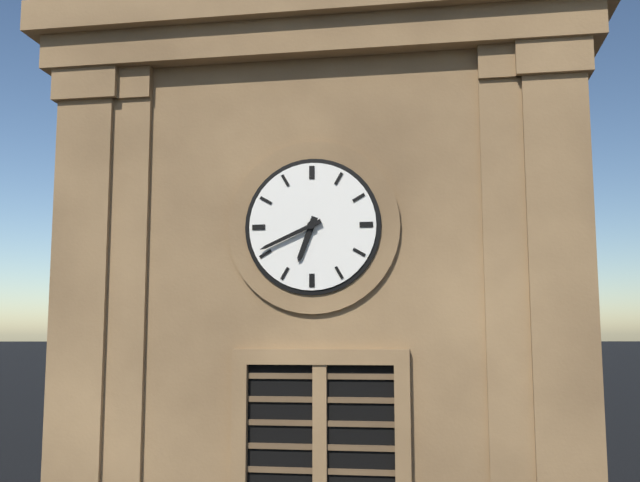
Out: 6,41
